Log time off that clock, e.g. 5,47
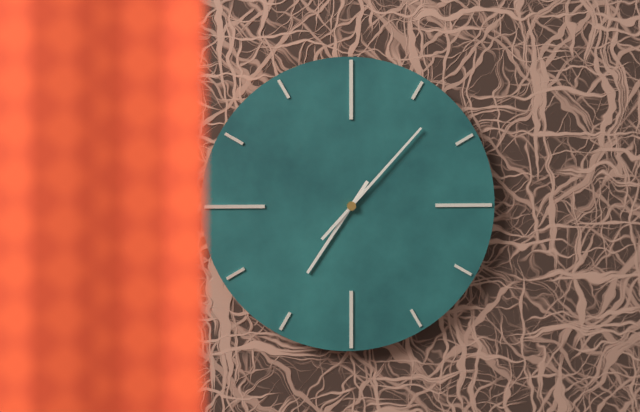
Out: 7,07
